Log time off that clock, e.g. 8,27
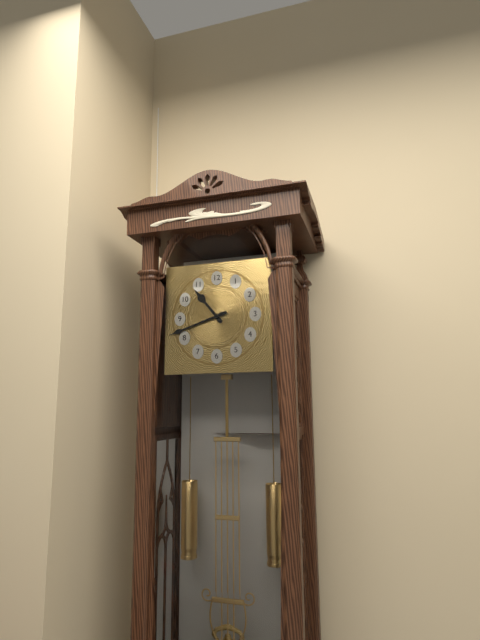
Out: 10,42
